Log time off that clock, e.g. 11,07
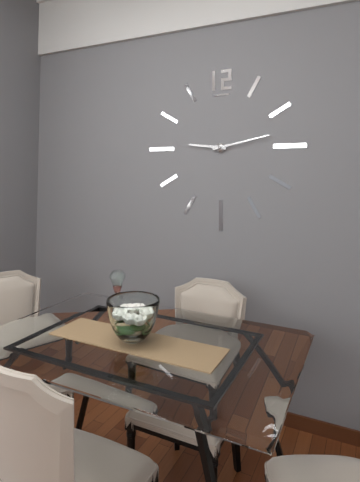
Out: 9,13
